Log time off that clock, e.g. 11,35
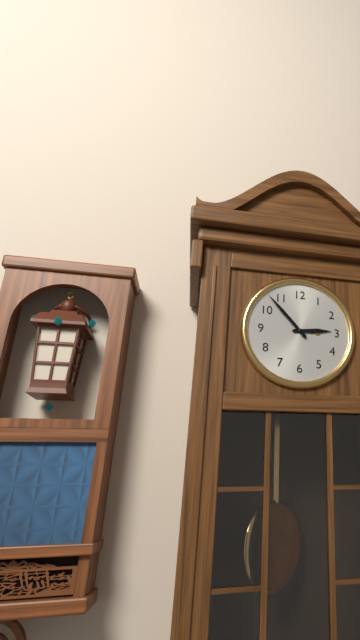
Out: 2,53
